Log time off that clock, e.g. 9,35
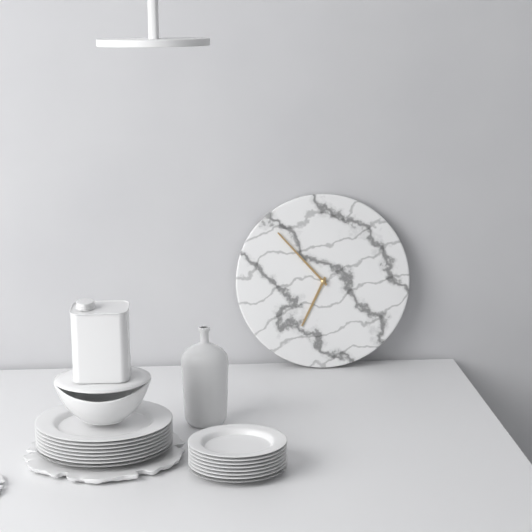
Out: 6,53
